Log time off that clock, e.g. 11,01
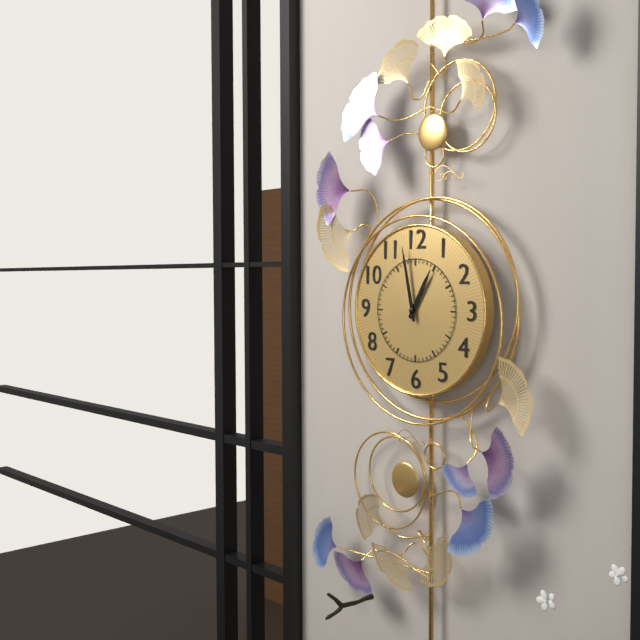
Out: 12,58
